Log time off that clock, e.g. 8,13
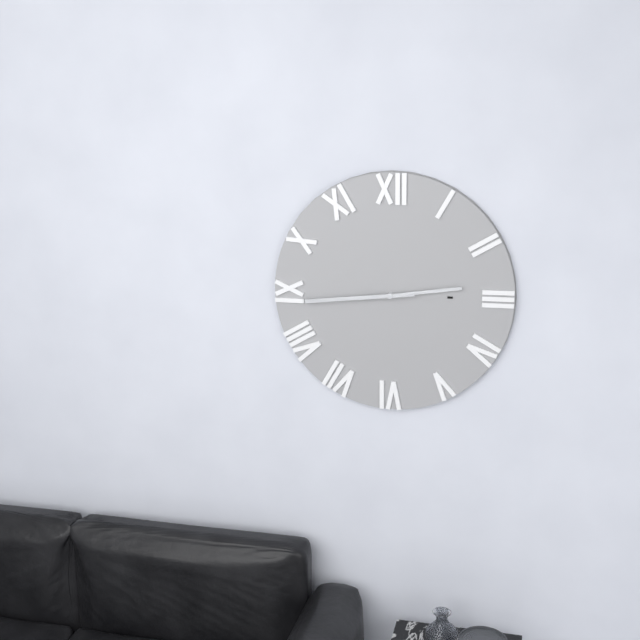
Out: 2,44
